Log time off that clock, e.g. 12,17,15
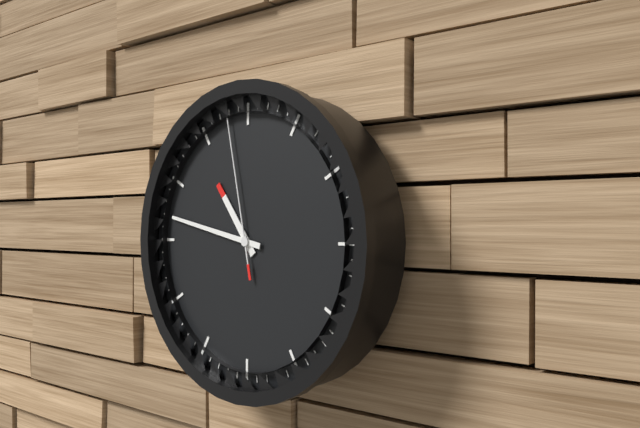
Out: 10,47,58
